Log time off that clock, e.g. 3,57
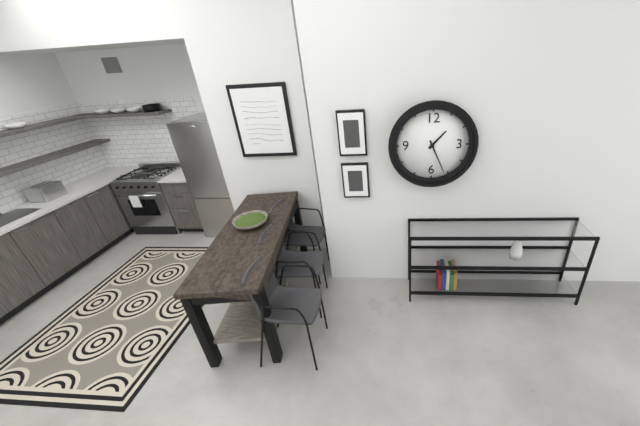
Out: 1,26
